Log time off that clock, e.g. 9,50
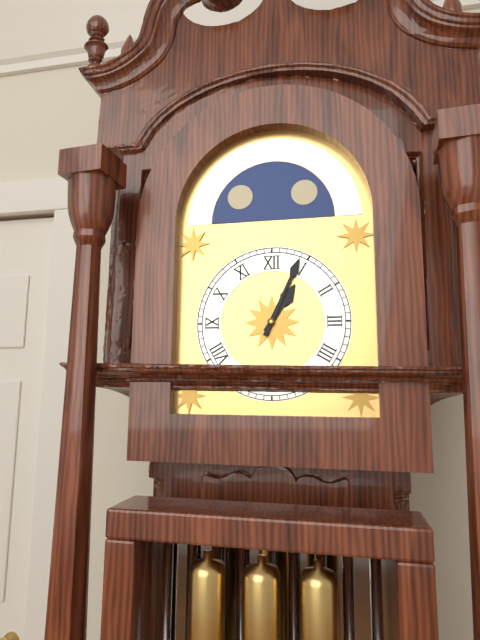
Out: 1,04
